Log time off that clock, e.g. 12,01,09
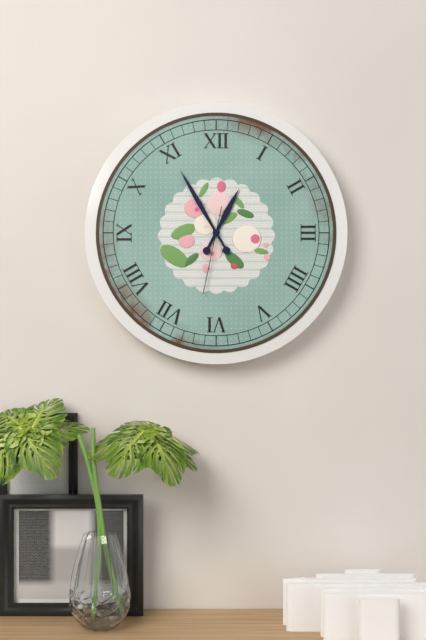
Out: 12,55,32
